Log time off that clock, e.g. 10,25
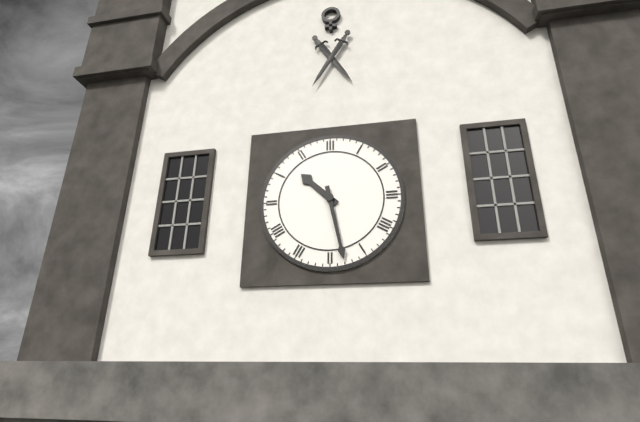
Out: 10,28
